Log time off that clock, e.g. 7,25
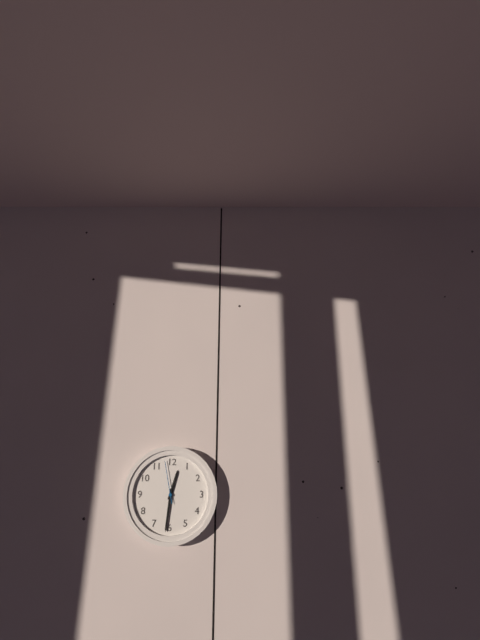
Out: 12,31
